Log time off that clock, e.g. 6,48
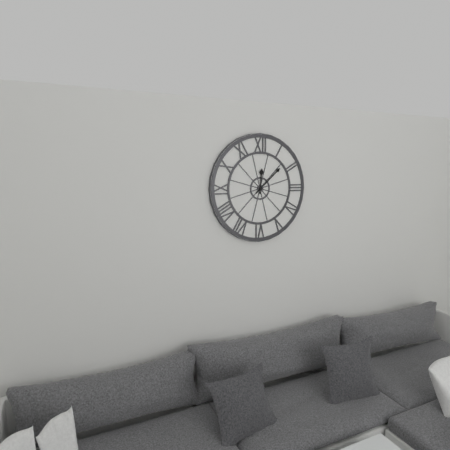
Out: 12,08
